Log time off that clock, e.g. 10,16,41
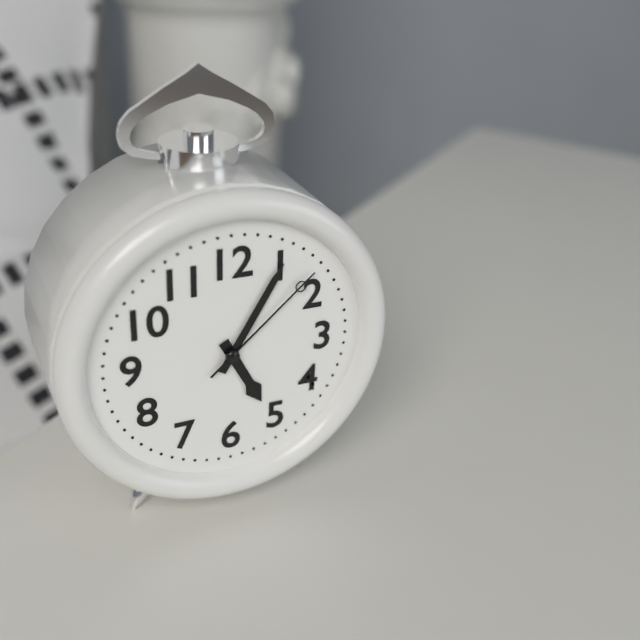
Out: 5,05,08
